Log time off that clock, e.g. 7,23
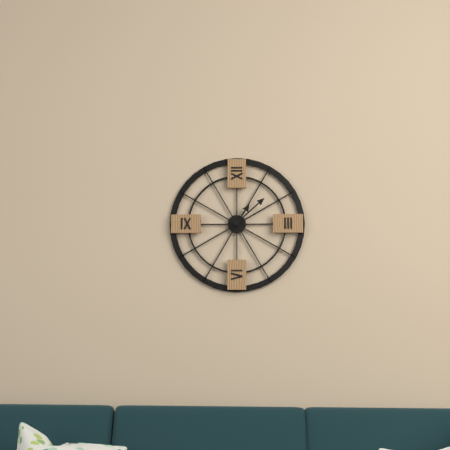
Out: 1,08
